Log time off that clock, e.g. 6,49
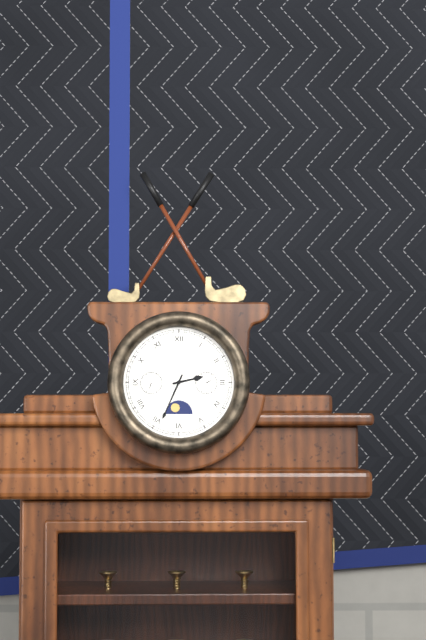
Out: 2,34
